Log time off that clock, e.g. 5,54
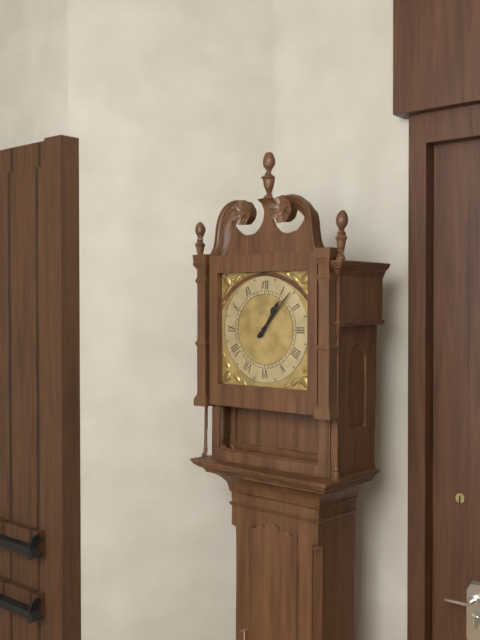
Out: 1,07
